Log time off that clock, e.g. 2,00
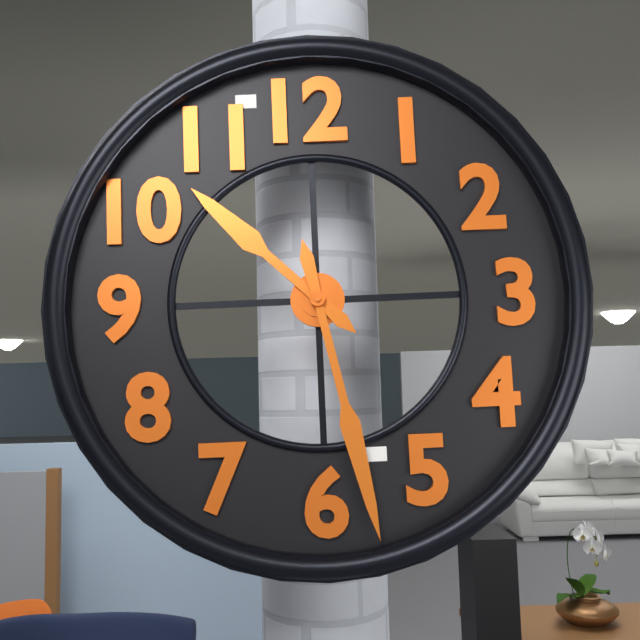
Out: 10,28
